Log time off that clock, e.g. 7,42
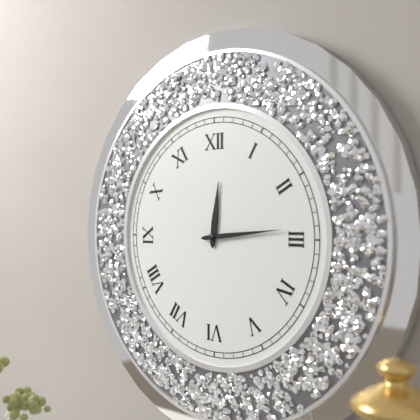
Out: 12,14
